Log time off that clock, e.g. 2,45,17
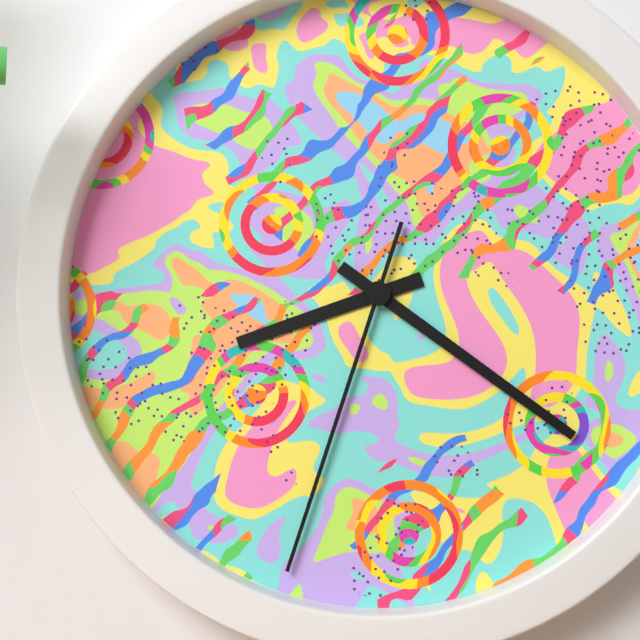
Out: 8,21,33
